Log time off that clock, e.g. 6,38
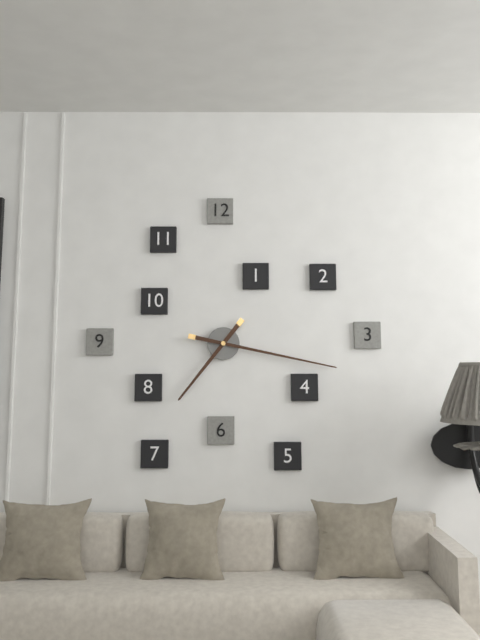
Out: 7,17
